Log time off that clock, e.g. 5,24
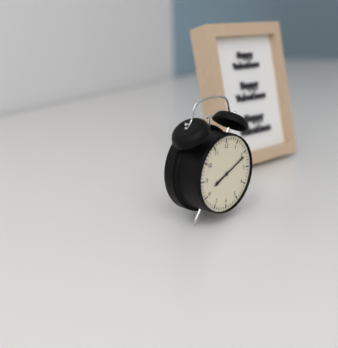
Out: 8,11
